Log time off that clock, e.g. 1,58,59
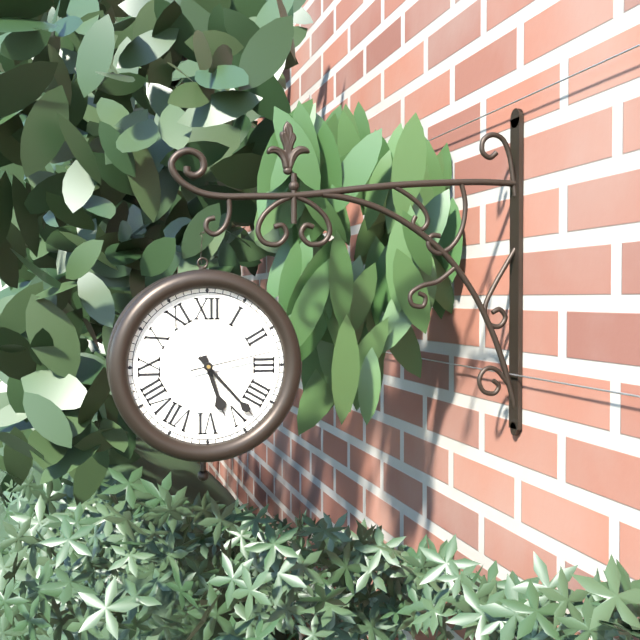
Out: 5,23,13
